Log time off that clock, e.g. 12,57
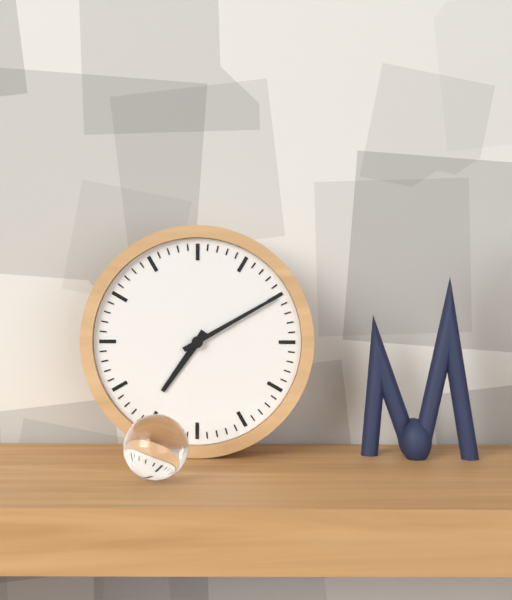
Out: 7,10
